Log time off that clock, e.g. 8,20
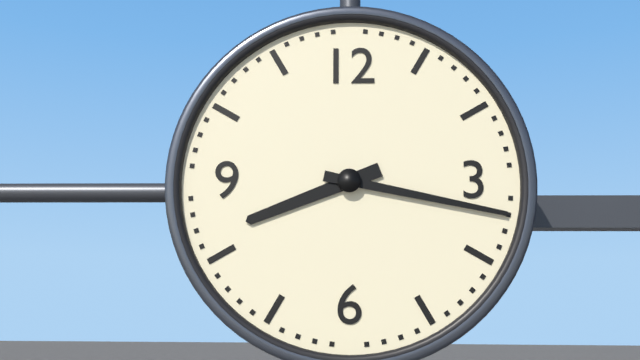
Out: 8,17
